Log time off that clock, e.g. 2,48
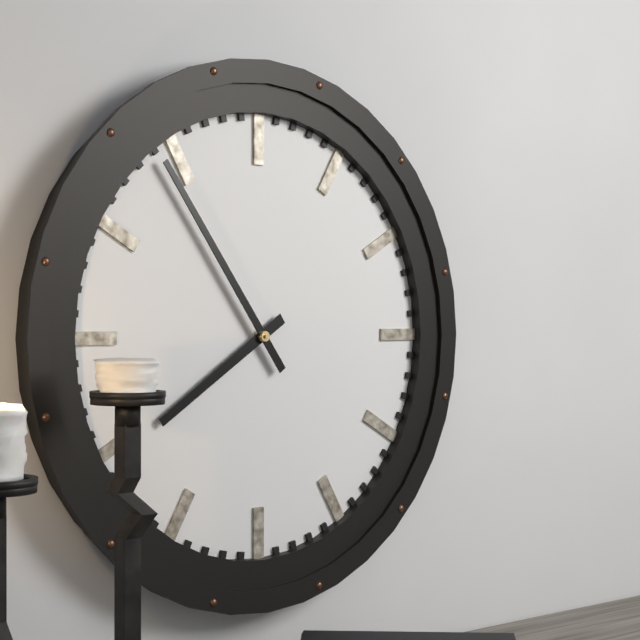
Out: 7,54
